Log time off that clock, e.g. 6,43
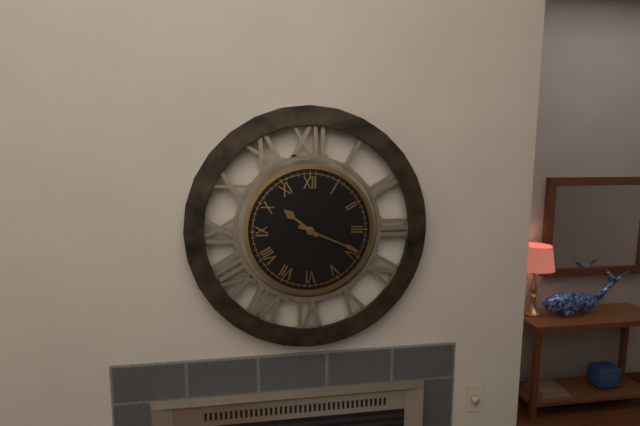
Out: 10,19
